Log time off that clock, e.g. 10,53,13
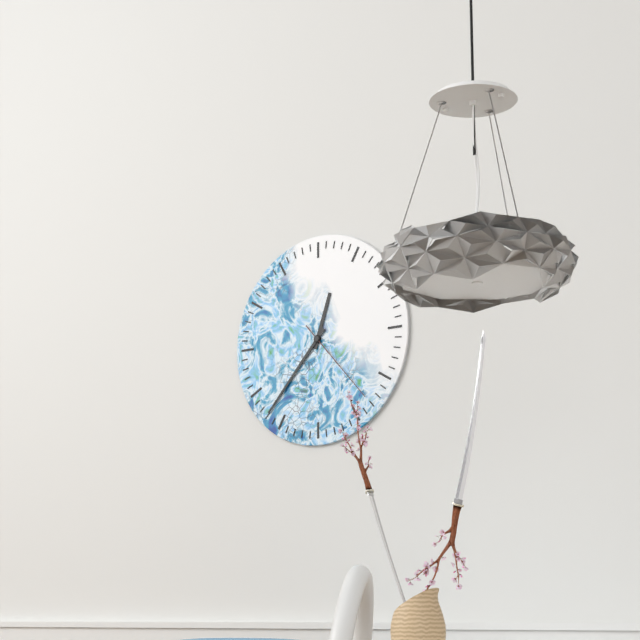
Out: 12,37,23
